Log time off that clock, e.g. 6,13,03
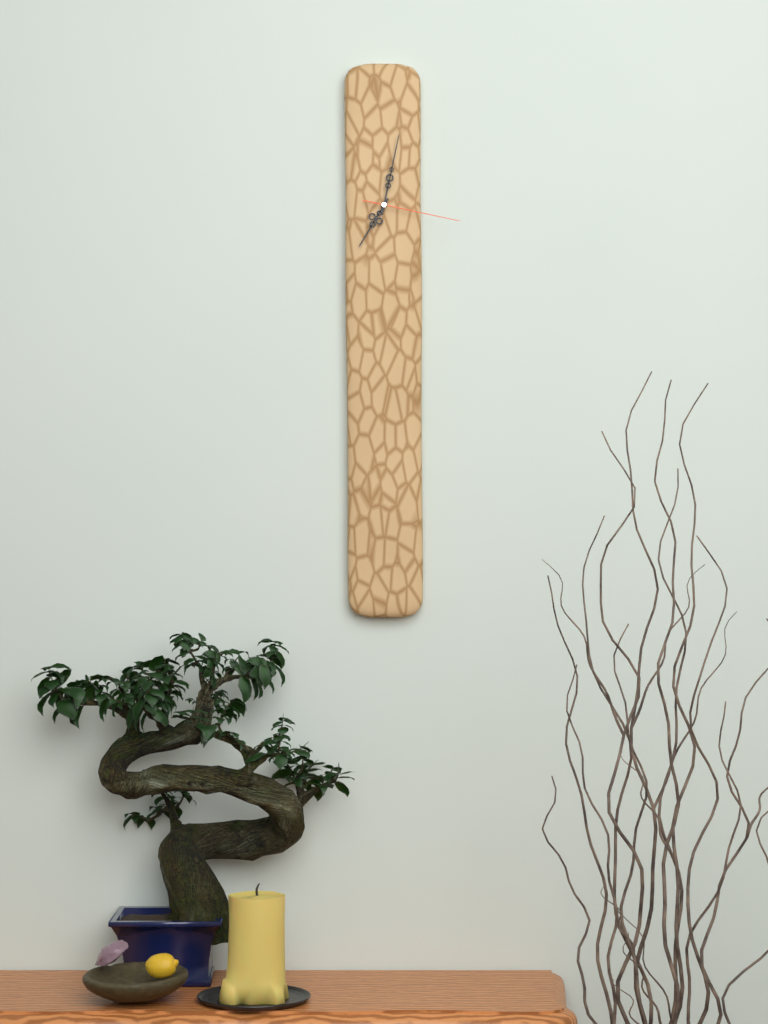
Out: 7,02,17
